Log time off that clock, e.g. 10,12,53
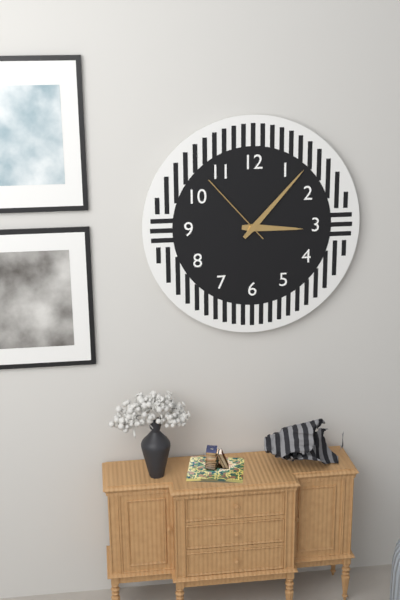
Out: 3,07,53
